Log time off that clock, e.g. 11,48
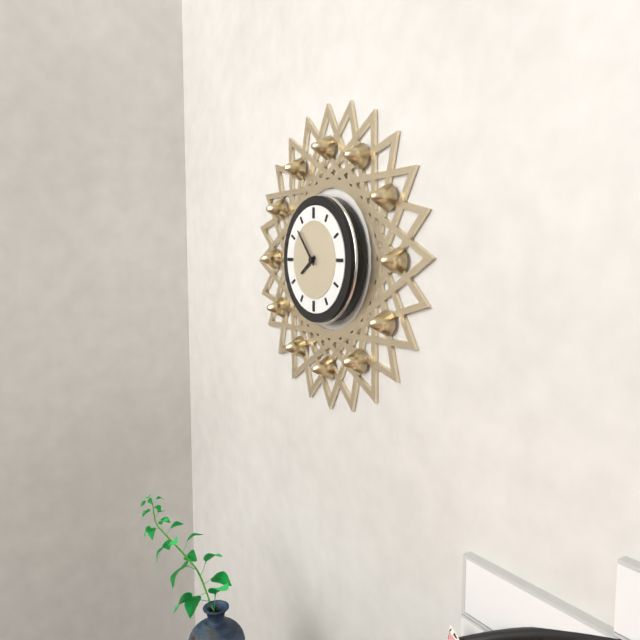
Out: 7,53
